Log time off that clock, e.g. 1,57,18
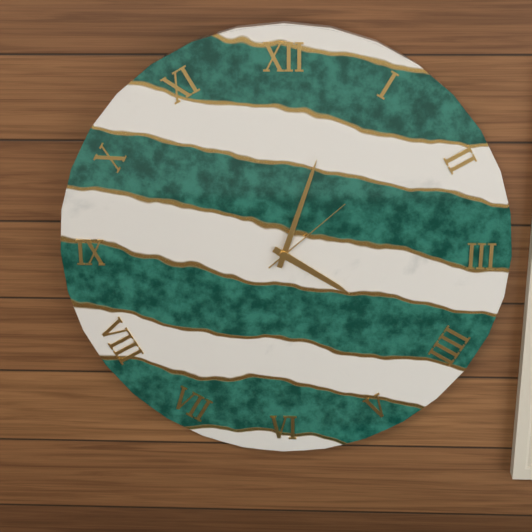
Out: 4,03,08
